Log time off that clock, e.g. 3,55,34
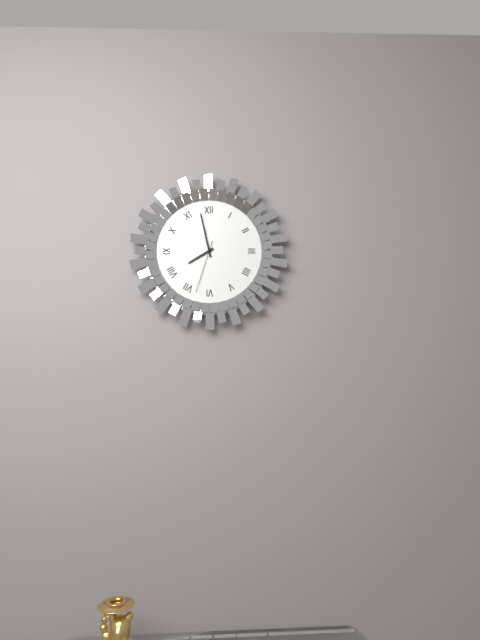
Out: 7,58,33
